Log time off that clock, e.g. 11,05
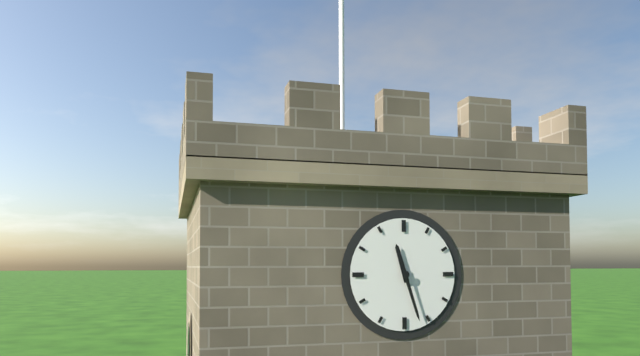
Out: 11,27
